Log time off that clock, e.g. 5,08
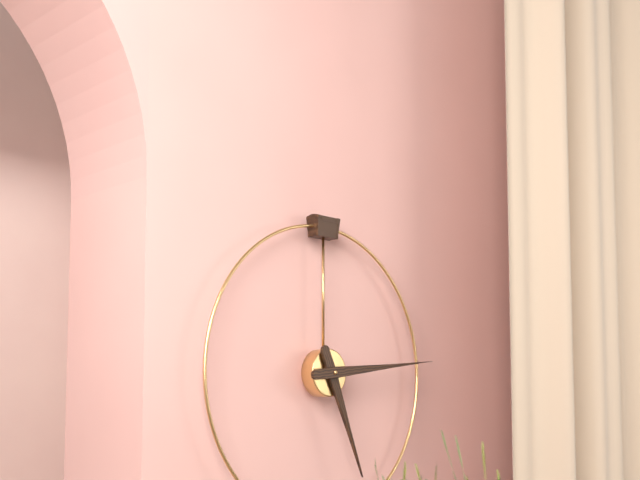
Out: 5,14
